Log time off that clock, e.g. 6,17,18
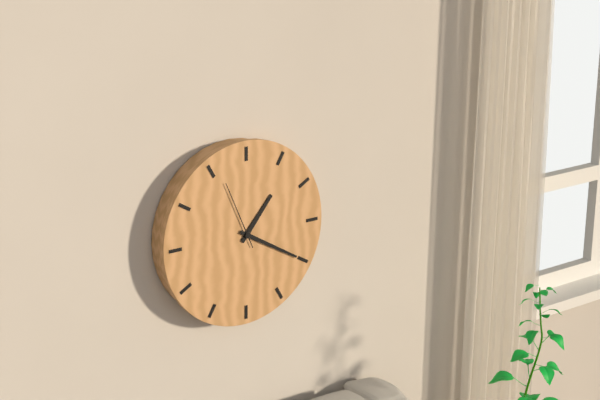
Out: 1,20,56
